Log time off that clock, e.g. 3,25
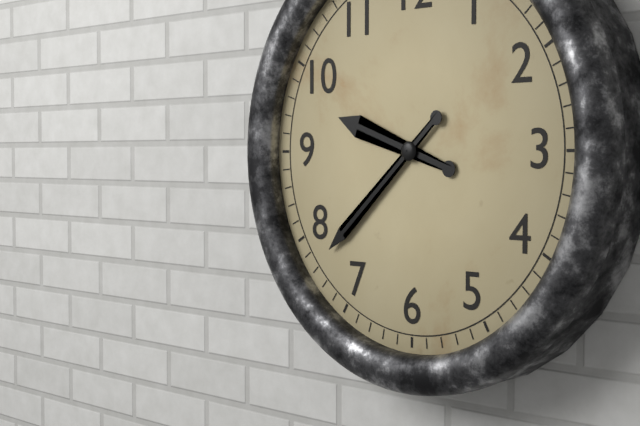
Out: 9,38
